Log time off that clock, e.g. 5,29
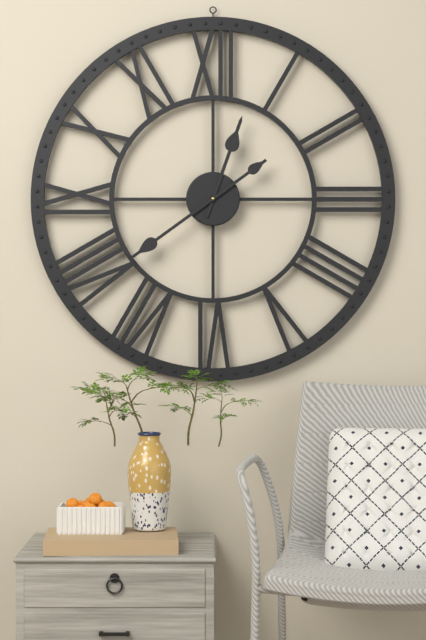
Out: 12,39
